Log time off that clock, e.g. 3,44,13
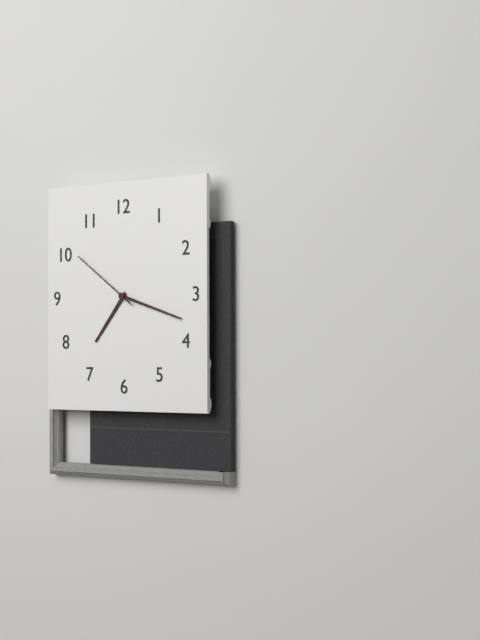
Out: 7,18,51
